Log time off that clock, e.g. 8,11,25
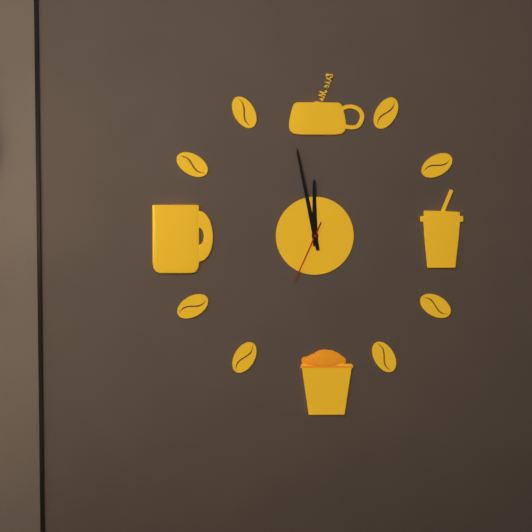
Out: 11,58,34
